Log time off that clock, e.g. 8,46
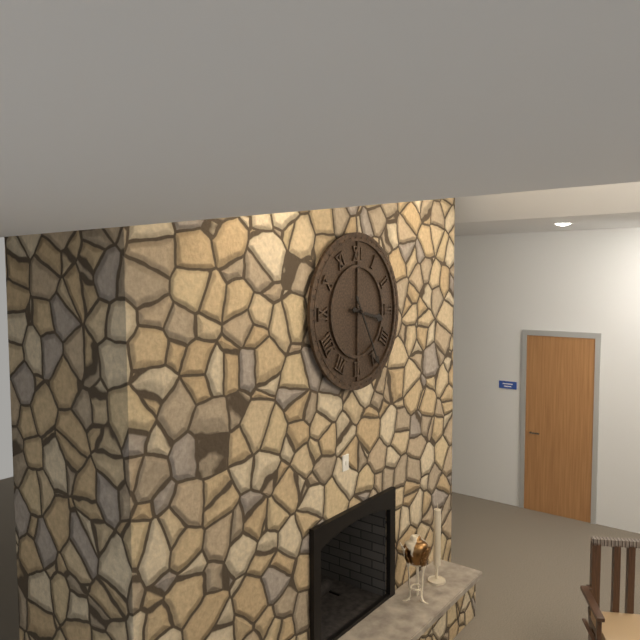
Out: 3,25
